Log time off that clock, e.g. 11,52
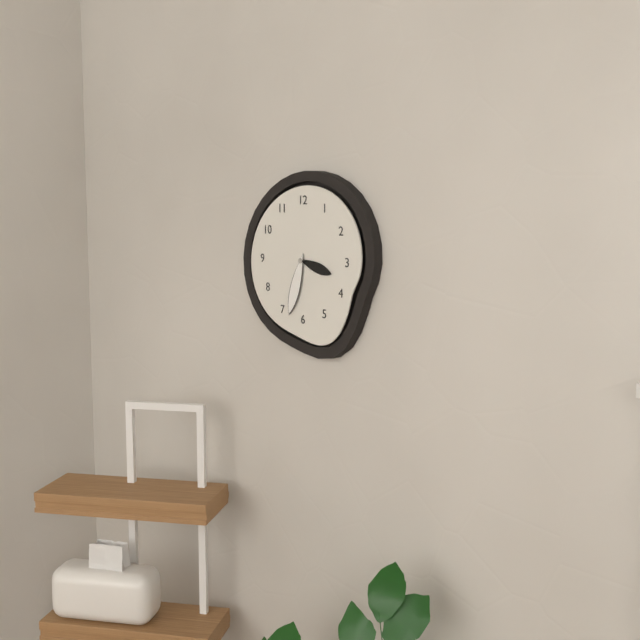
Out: 3,33
